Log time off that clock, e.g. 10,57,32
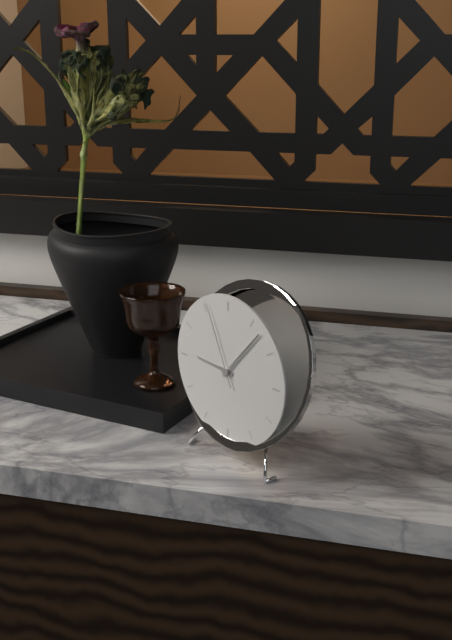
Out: 9,07,56
